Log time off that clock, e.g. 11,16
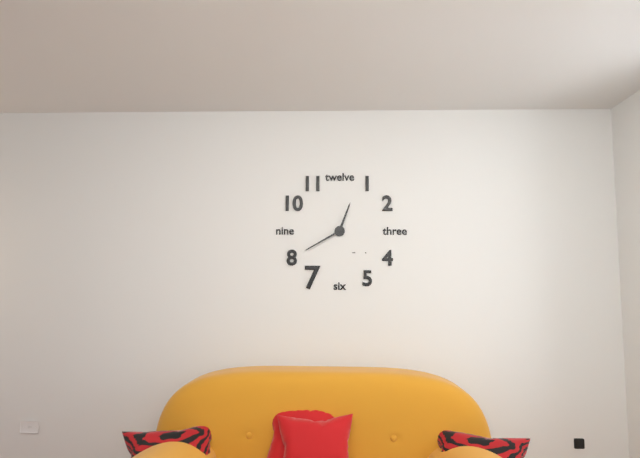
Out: 12,40
